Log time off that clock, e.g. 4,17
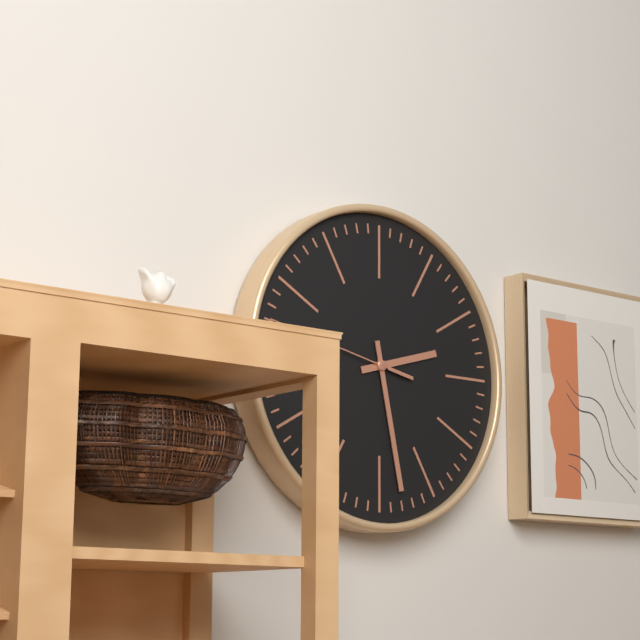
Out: 2,28
